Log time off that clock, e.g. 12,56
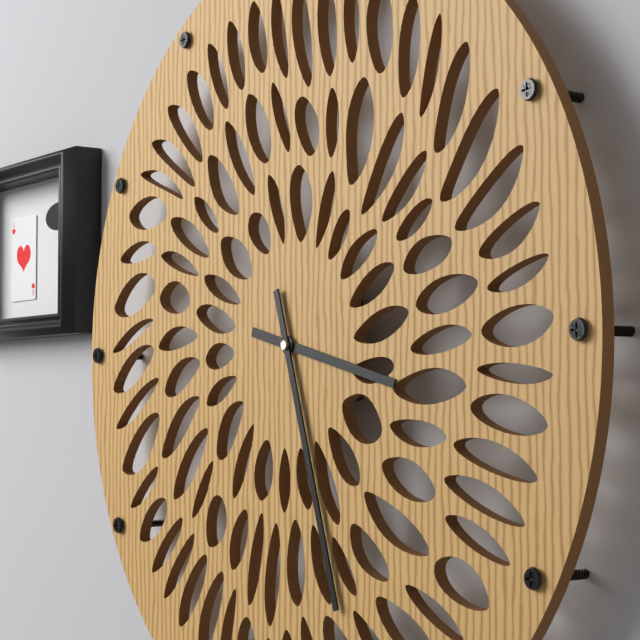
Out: 3,27
